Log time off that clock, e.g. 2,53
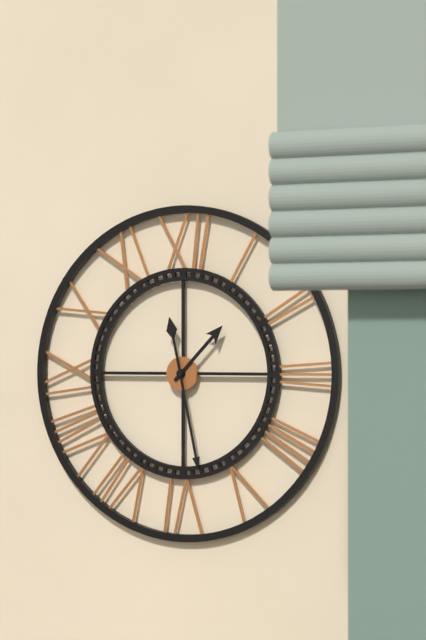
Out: 1,28
